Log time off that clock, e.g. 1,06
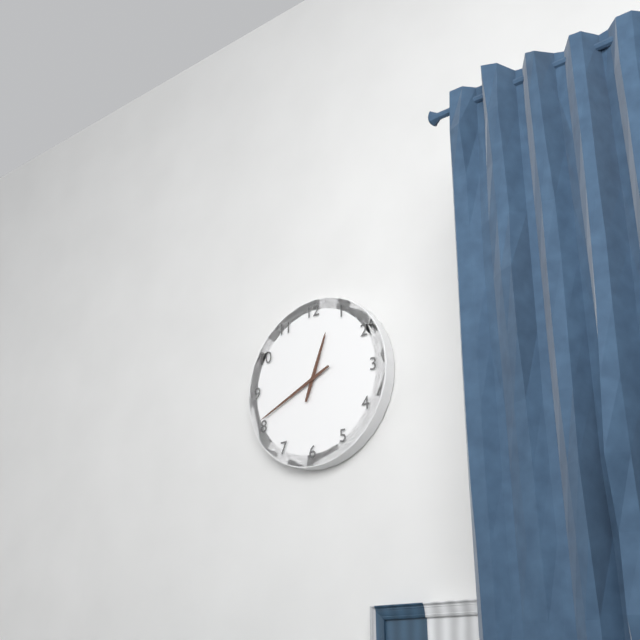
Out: 12,41
